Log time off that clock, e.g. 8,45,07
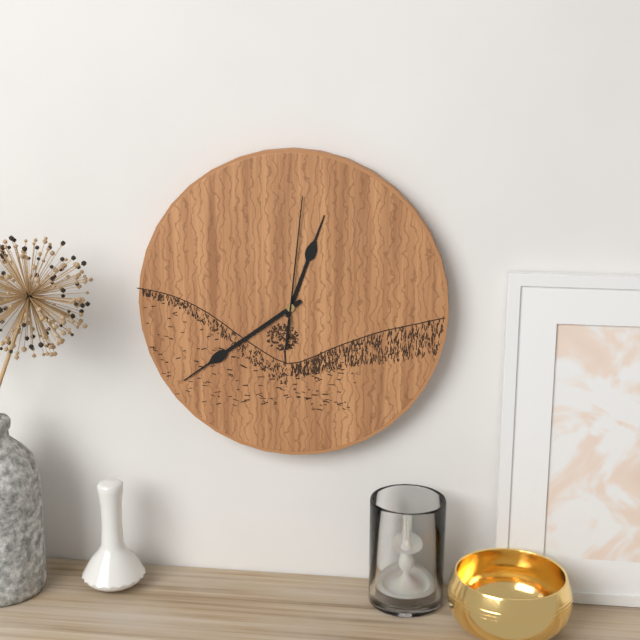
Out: 12,39,01
